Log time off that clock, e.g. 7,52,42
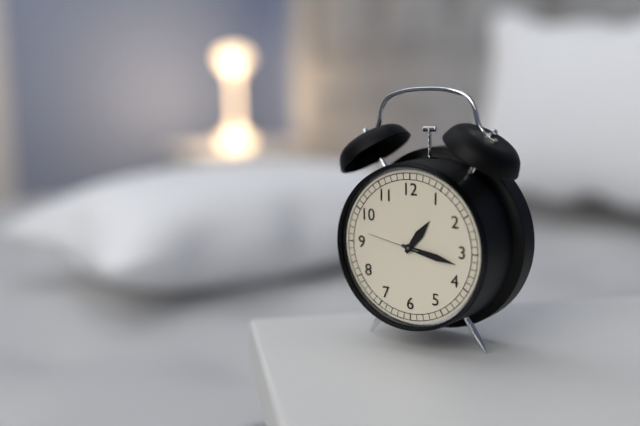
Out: 1,17,47
